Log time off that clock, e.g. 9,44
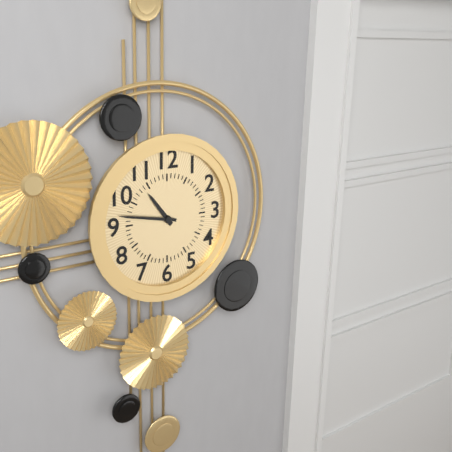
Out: 10,47
